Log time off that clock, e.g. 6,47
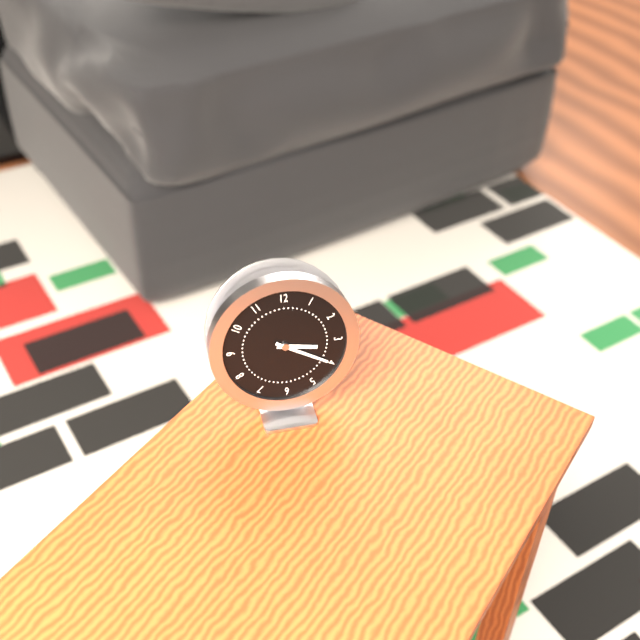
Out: 3,20
